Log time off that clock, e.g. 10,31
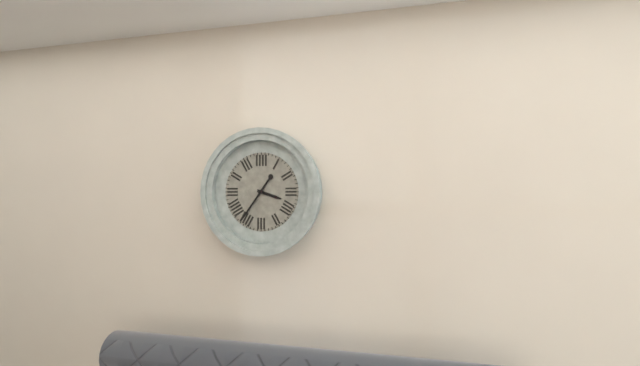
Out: 3,36
